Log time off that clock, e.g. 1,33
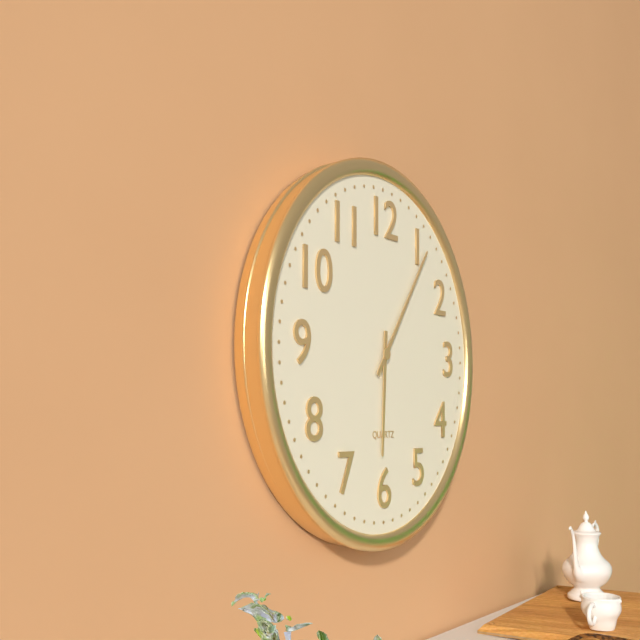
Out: 6,06
